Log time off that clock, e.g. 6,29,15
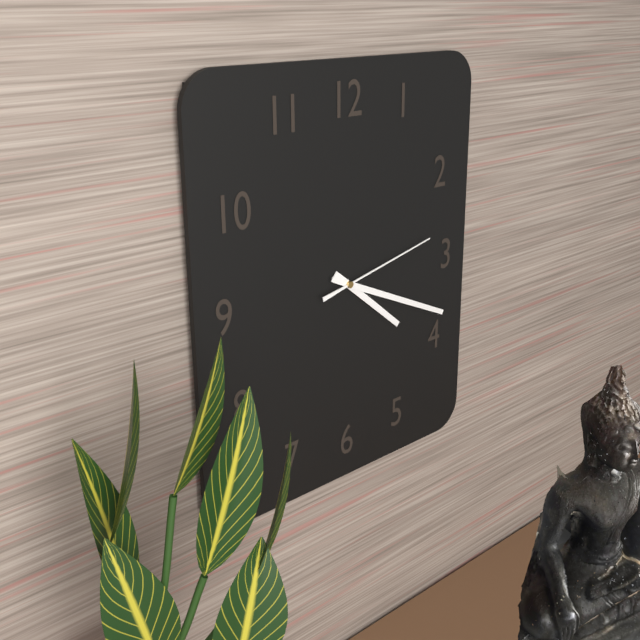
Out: 4,19,13
